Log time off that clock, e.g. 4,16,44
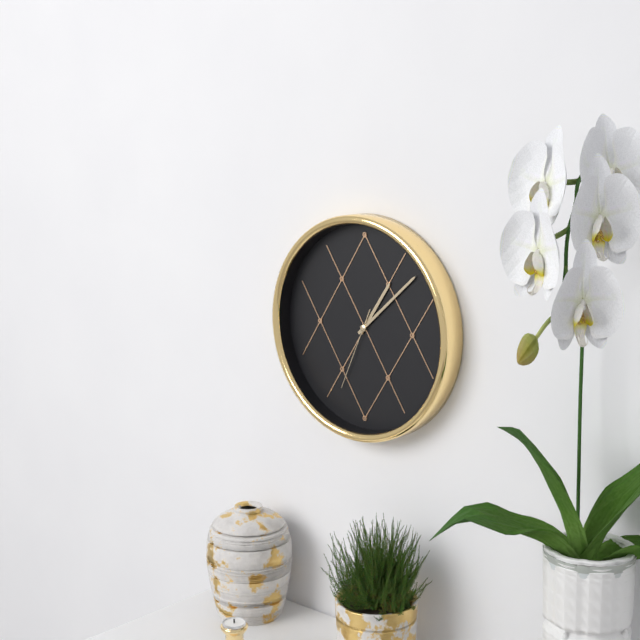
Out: 1,08,34
